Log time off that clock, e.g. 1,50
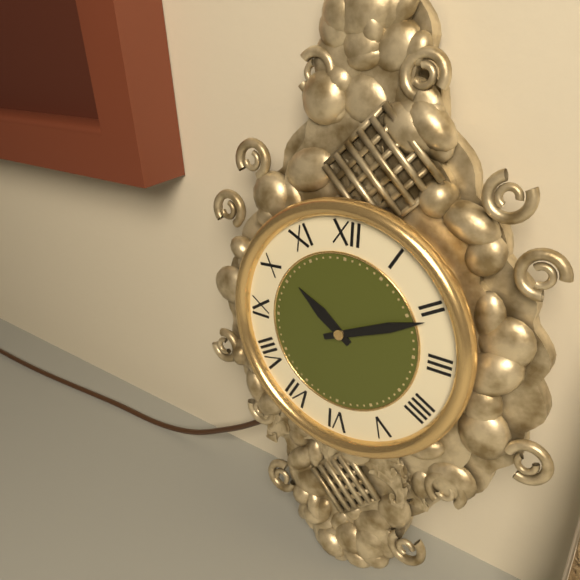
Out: 10,11
